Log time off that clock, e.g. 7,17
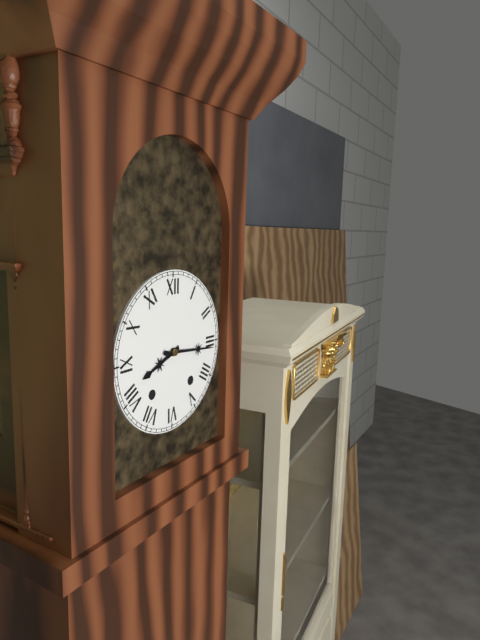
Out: 8,16
